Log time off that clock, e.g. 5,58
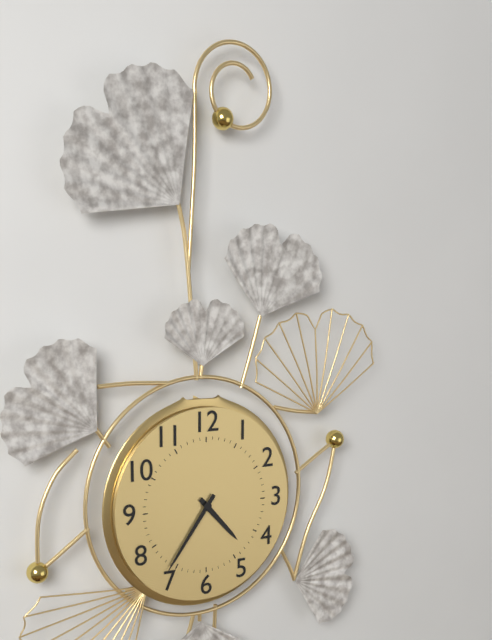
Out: 4,36
